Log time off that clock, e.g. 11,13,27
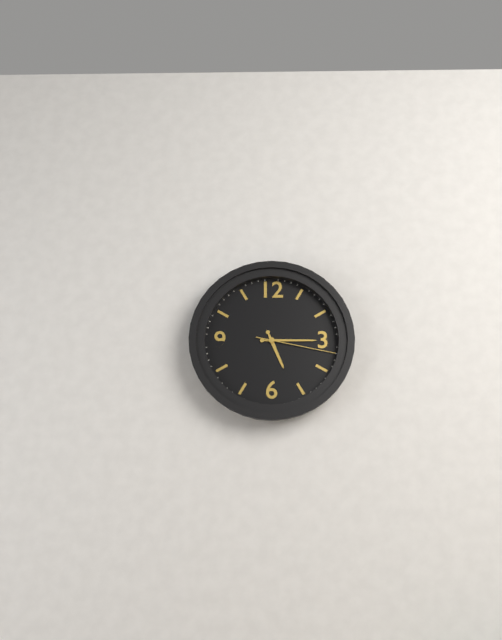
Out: 5,15,17
